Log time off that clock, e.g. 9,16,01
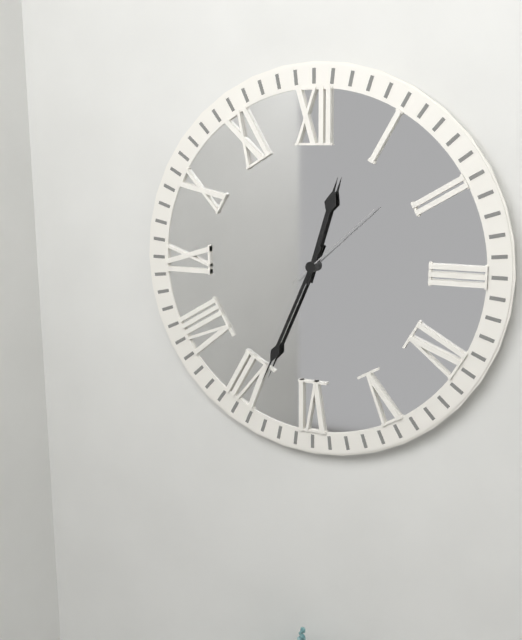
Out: 12,34,08
